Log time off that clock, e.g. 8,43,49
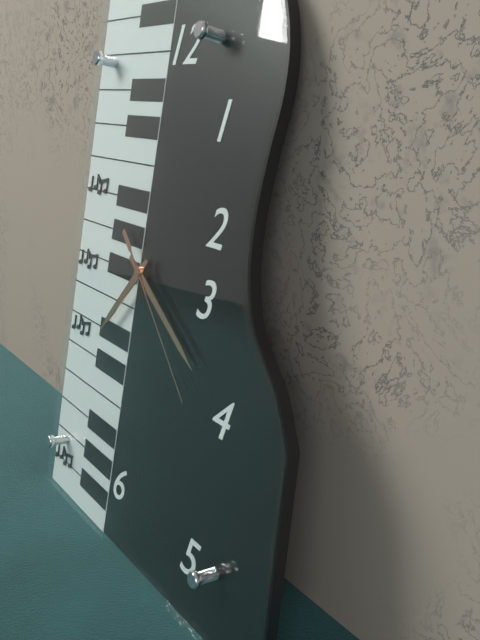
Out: 7,20,22
